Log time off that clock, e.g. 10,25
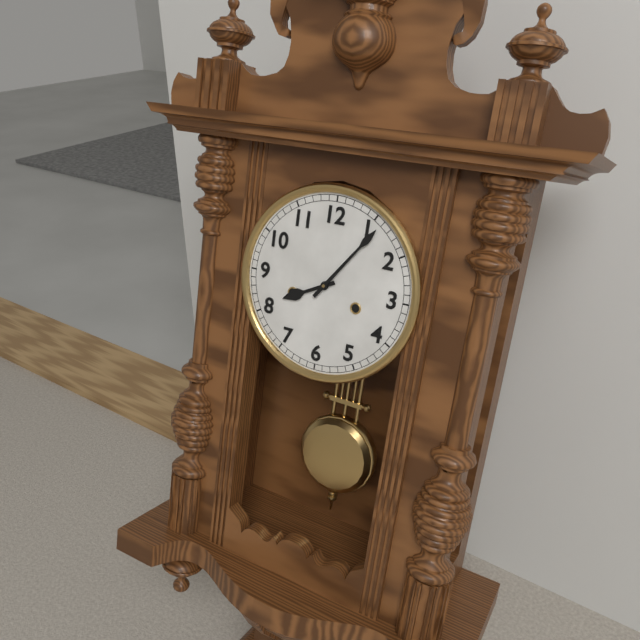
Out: 8,06
